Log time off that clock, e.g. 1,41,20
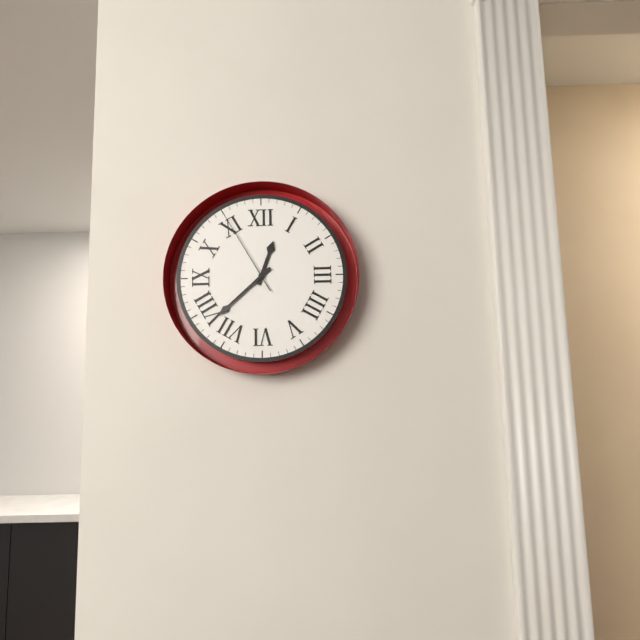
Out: 12,38,55
